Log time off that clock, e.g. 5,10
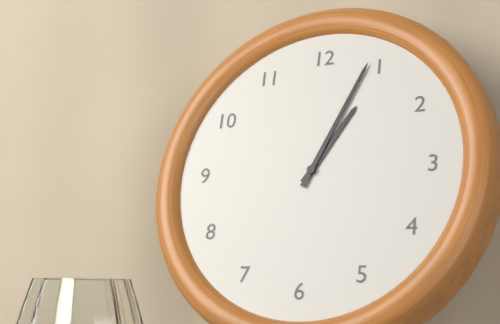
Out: 1,04
